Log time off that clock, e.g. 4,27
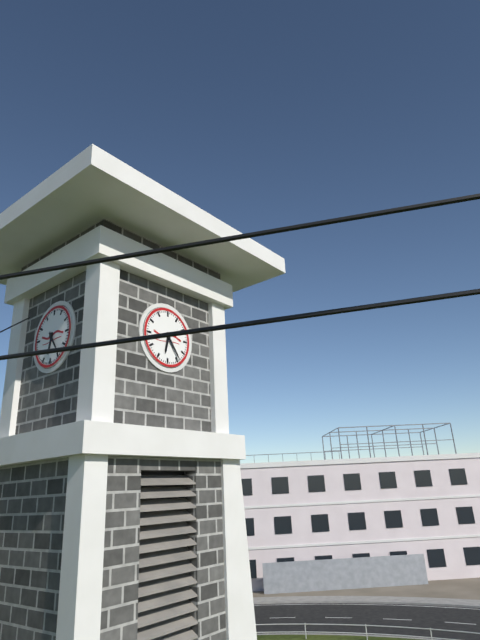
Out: 6,24
